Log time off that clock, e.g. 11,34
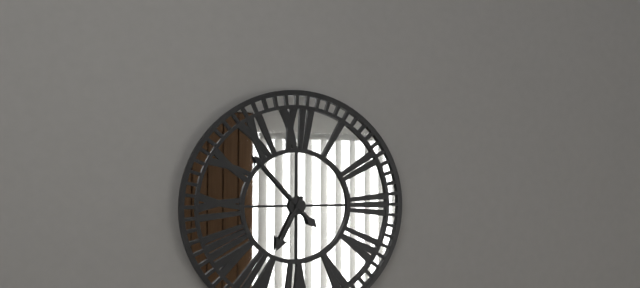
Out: 6,53
